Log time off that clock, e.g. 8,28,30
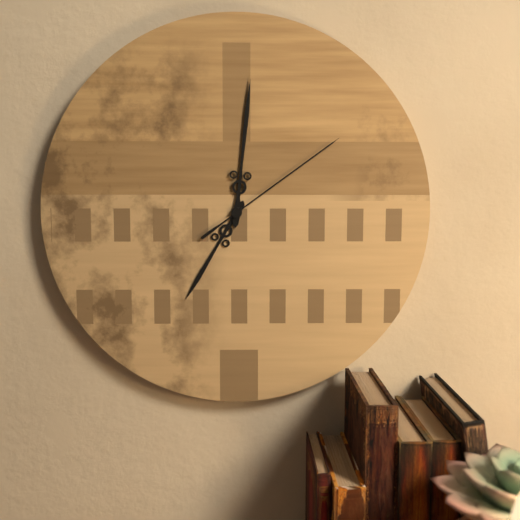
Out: 7,01,09
